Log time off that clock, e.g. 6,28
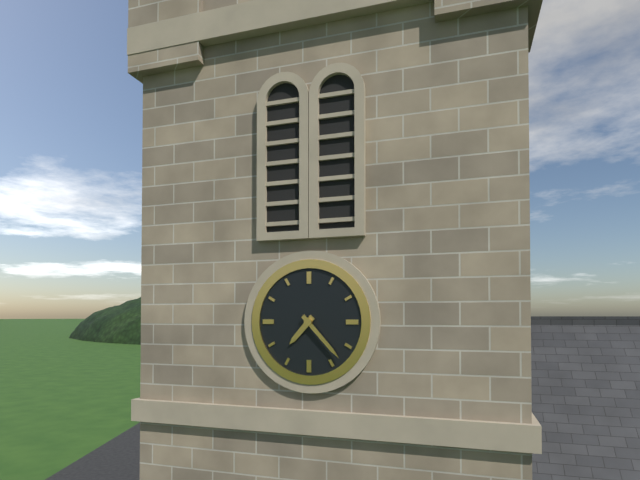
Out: 7,23
